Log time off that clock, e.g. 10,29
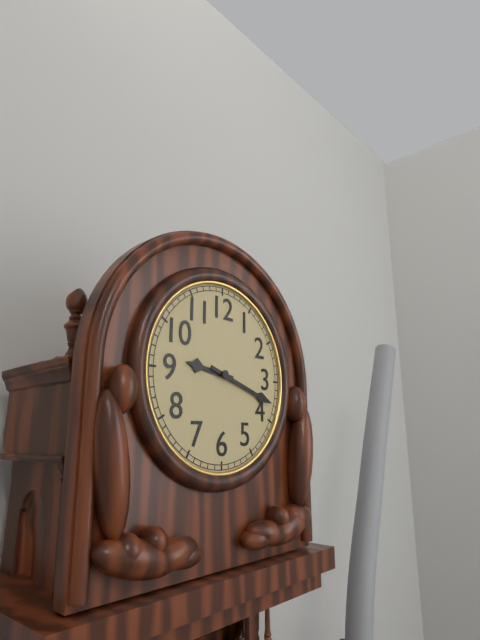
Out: 9,18
